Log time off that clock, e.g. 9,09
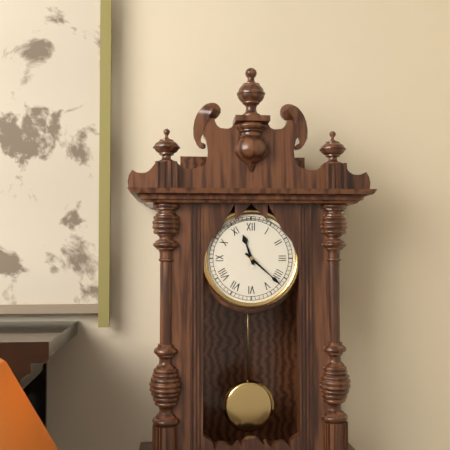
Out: 11,22
